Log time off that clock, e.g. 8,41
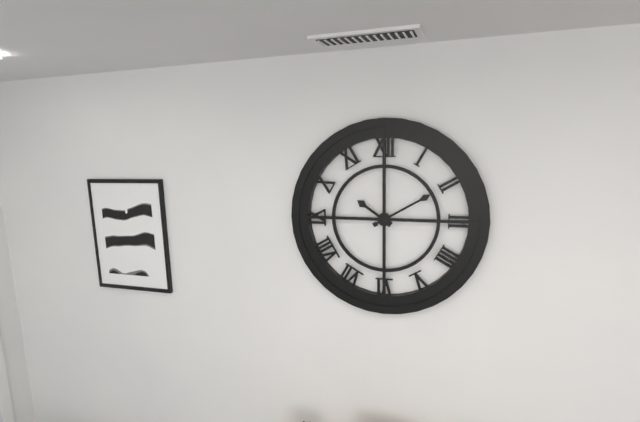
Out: 10,10
